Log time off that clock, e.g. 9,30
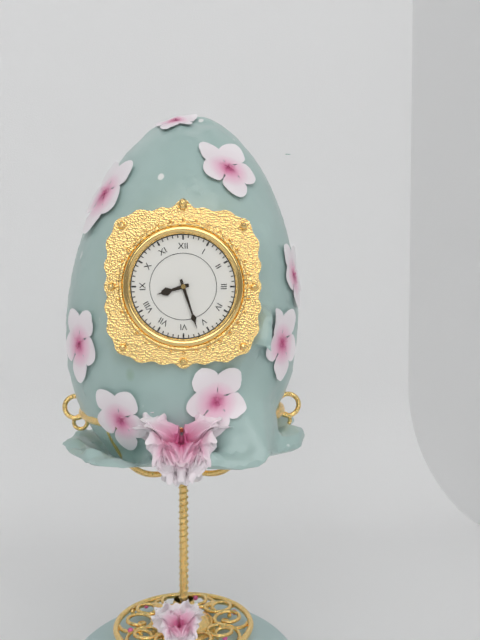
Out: 8,27
